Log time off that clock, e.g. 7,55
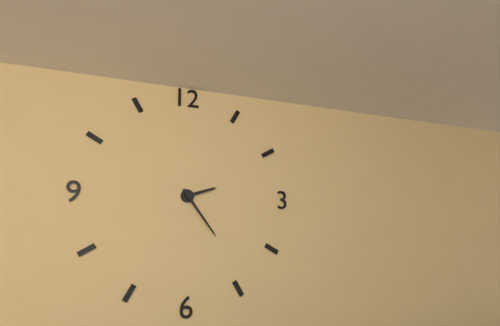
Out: 2,24
